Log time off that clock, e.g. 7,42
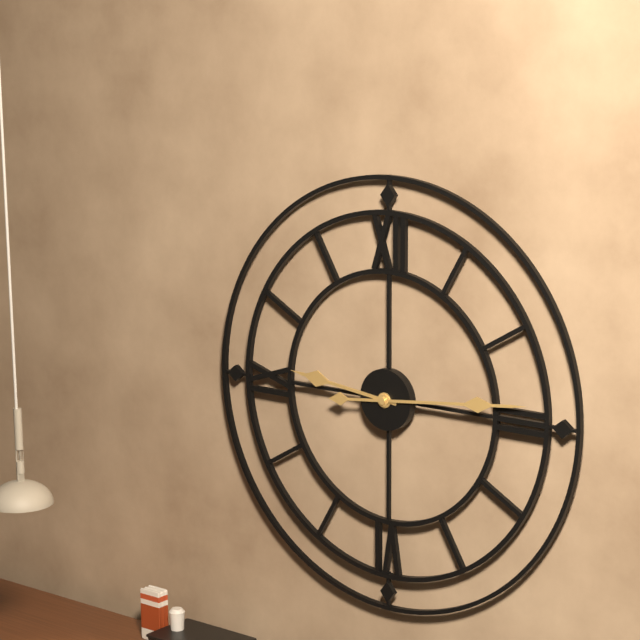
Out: 9,14
